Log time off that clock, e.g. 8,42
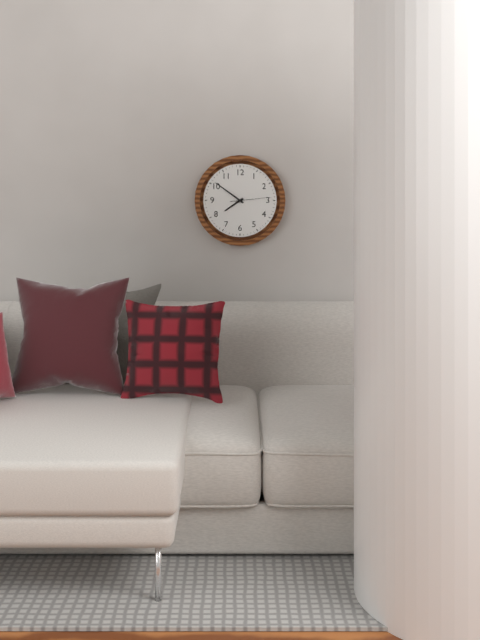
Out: 7,51
